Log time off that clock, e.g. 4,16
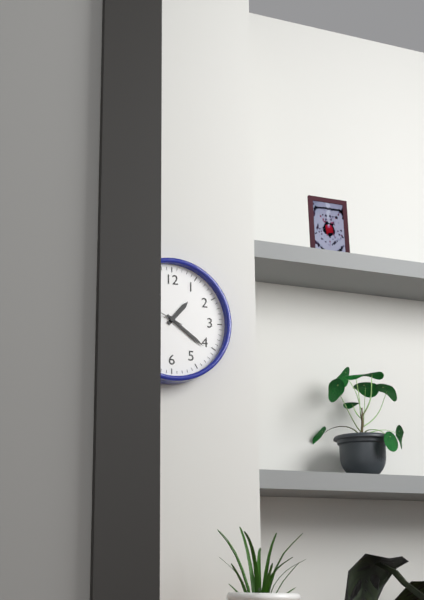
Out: 1,21
